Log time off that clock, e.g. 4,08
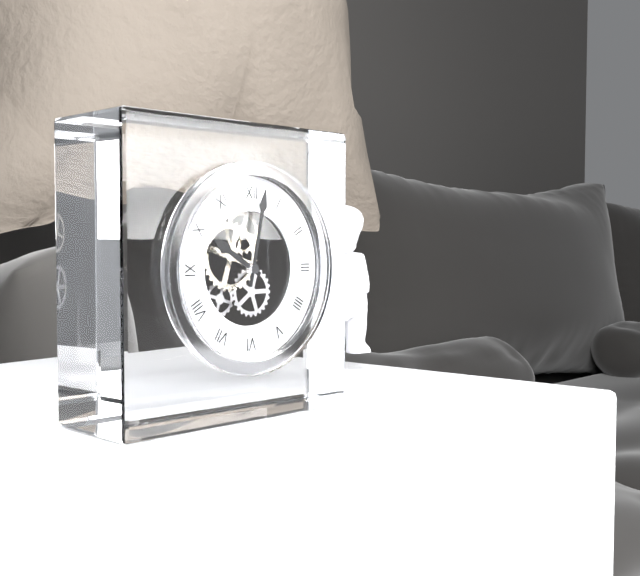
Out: 10,02
